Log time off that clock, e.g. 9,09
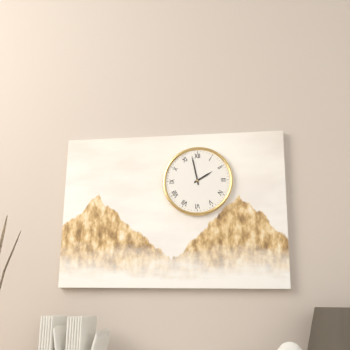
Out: 1,58
